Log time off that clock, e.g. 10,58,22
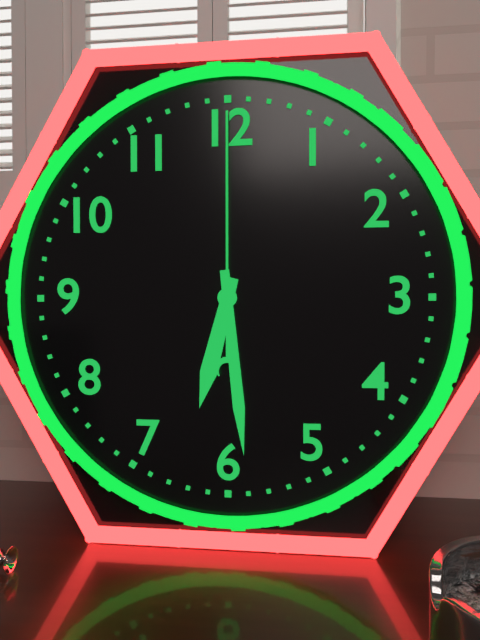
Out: 6,29,00
